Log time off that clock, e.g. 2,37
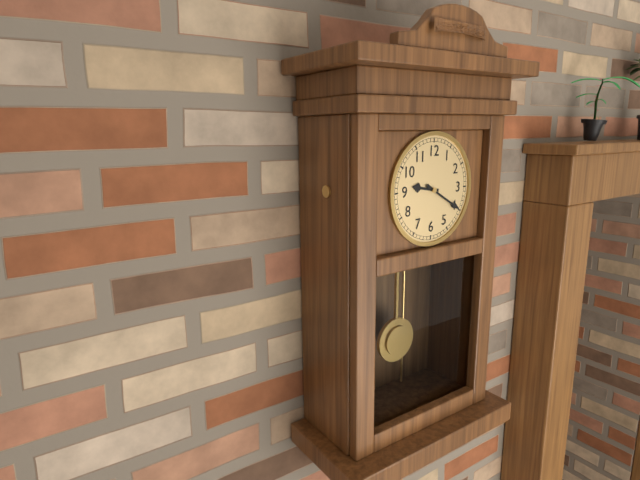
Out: 9,20
